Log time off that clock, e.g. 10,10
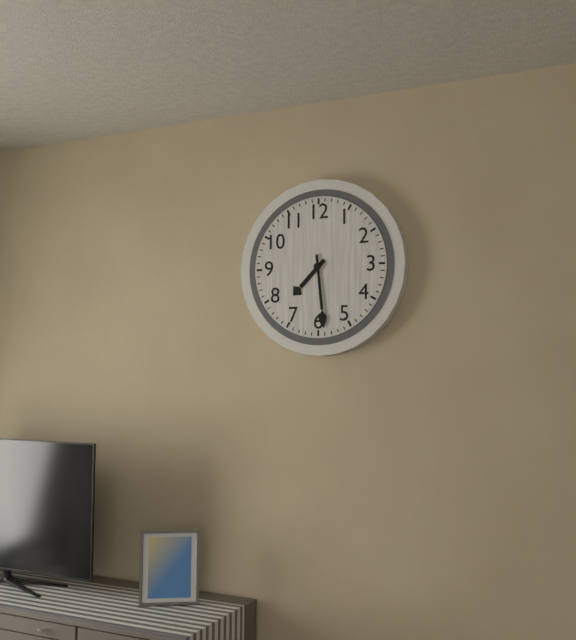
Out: 7,29
